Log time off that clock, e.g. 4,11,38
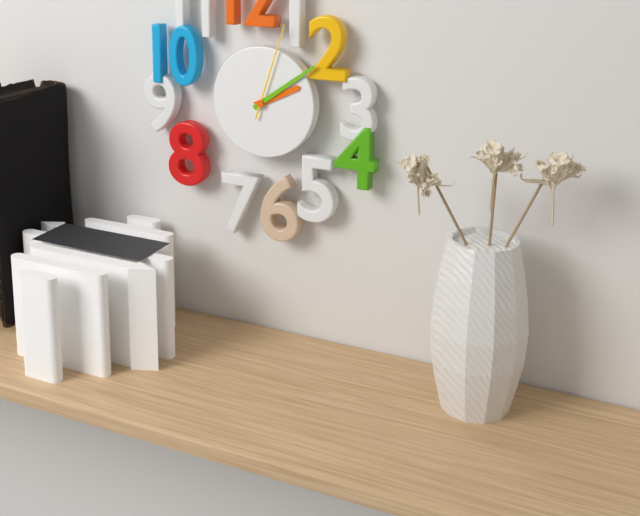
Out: 2,09,03
